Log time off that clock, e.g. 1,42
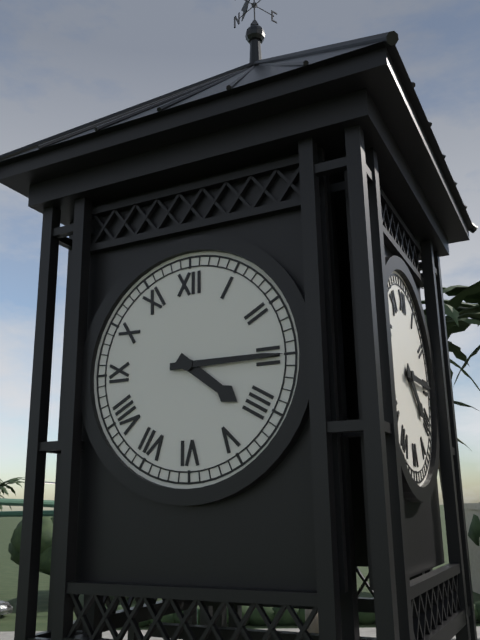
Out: 4,15
